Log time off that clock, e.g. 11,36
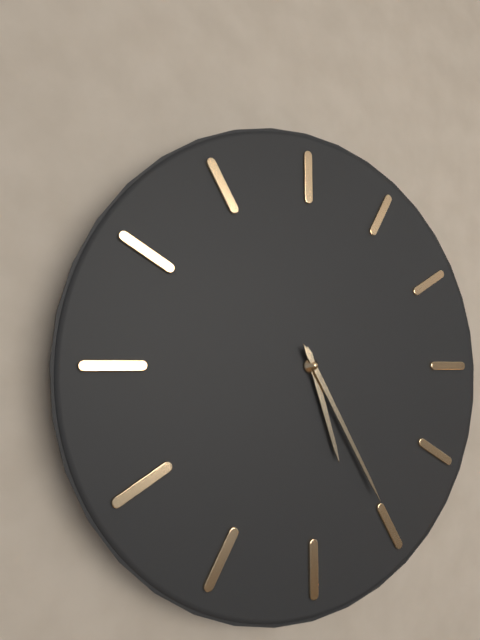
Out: 5,25
